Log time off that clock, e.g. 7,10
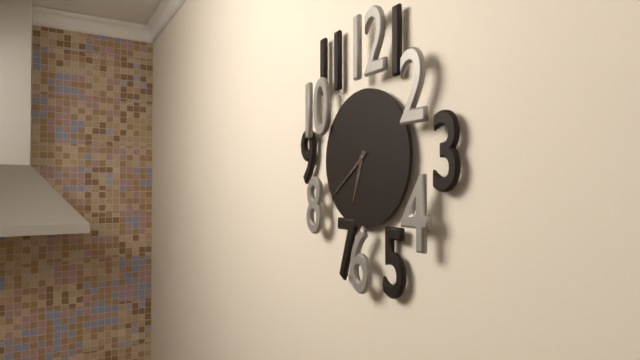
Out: 6,39
